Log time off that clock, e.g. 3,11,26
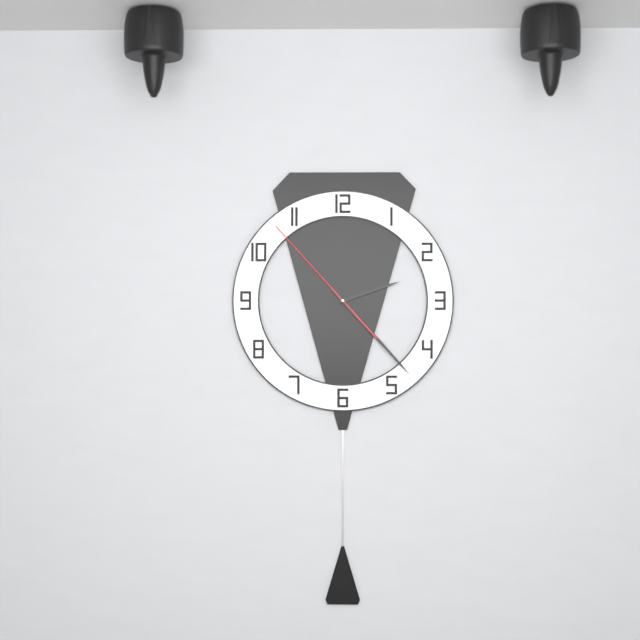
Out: 2,23,53
